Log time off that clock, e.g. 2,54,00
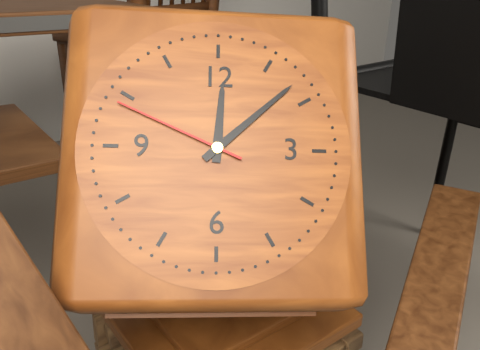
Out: 12,08,49
